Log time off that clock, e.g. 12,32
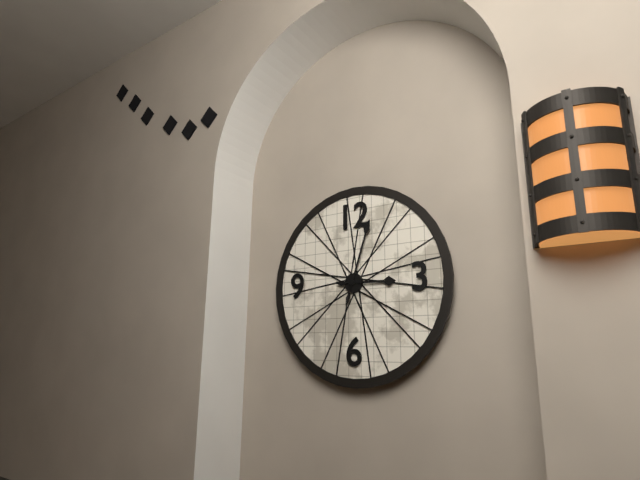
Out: 3,03
